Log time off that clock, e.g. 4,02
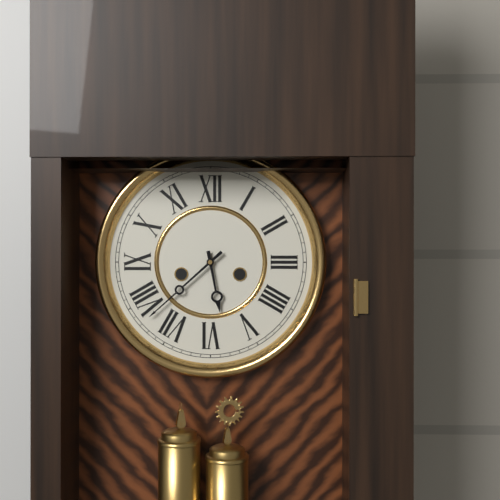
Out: 5,38
